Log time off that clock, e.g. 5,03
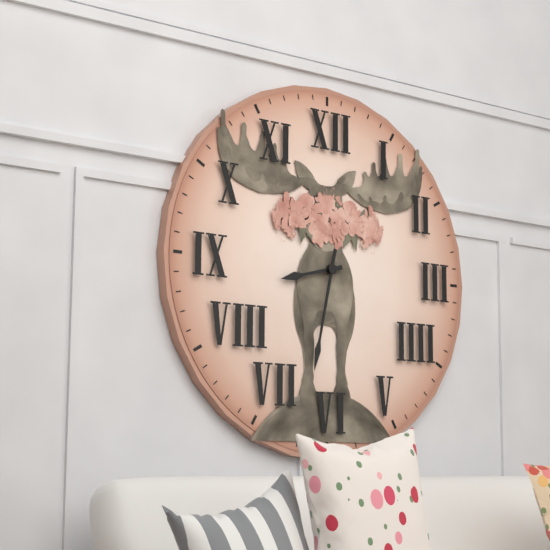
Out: 8,32
